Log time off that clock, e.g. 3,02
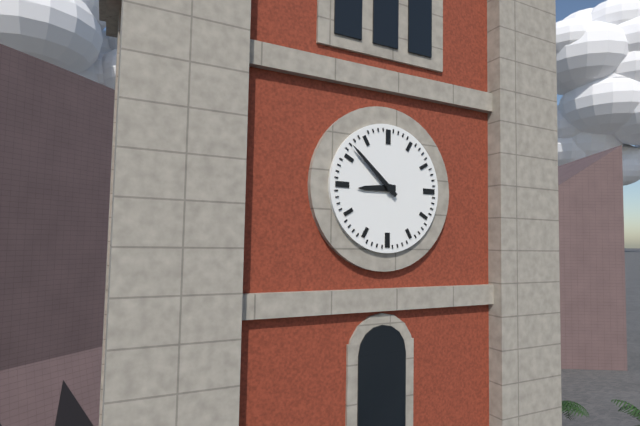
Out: 8,52
